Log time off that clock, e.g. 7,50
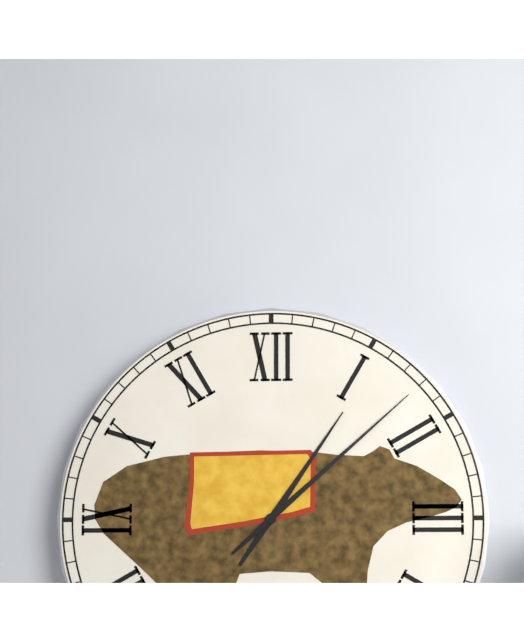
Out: 1,08
